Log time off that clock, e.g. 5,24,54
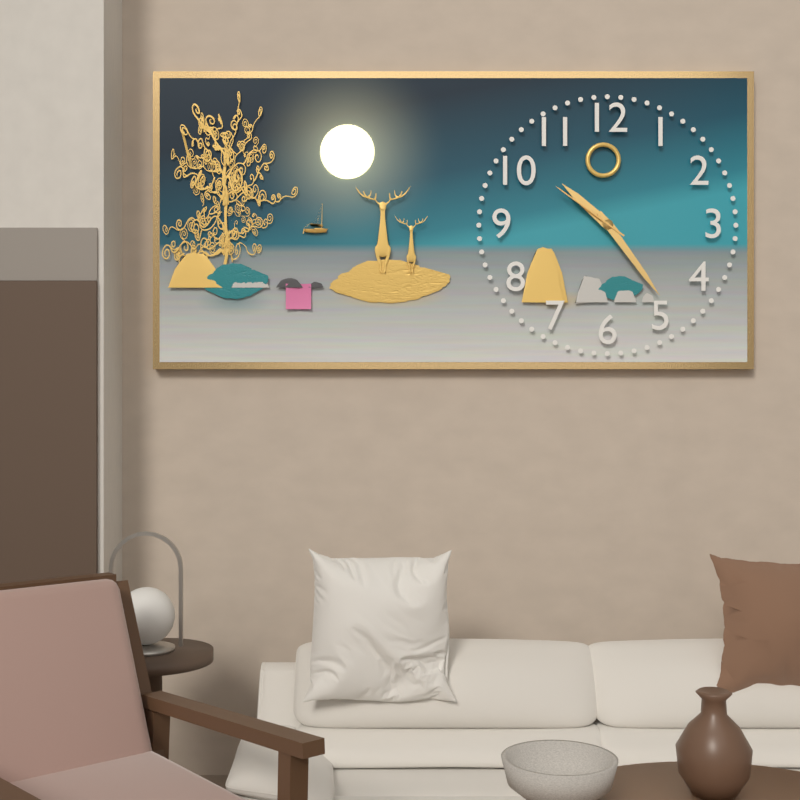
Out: 10,24,51
